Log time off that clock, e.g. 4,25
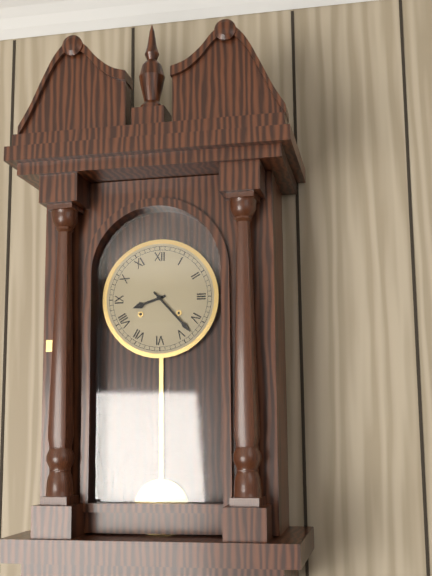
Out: 8,23
